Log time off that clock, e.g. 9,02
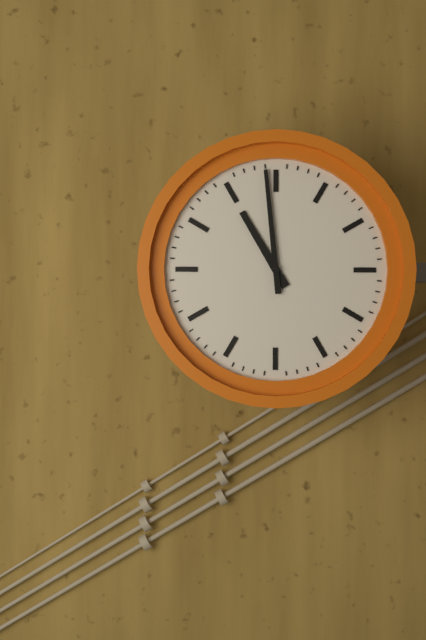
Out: 10,59
